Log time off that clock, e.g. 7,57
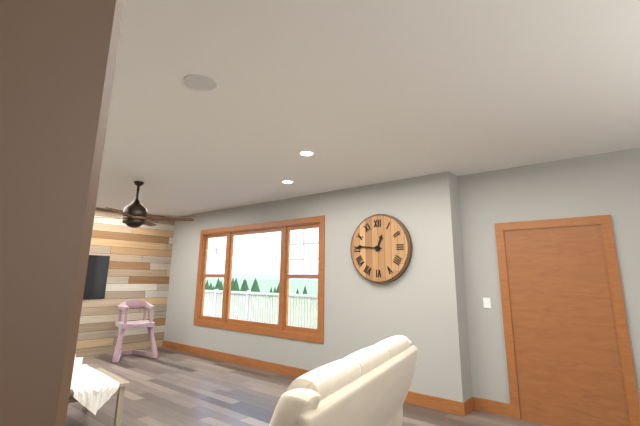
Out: 12,46
